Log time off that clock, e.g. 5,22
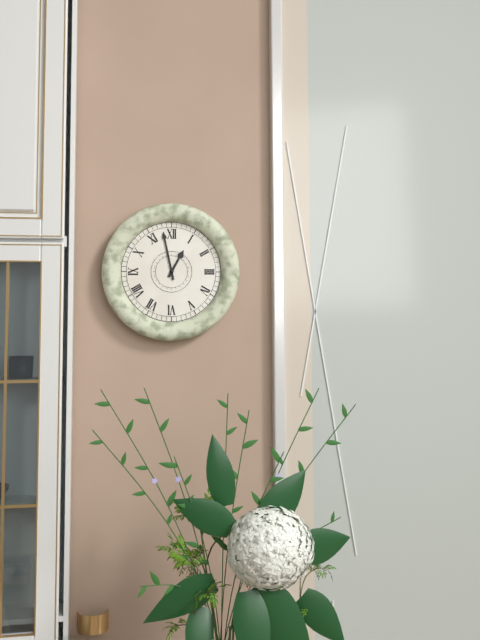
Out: 12,58
